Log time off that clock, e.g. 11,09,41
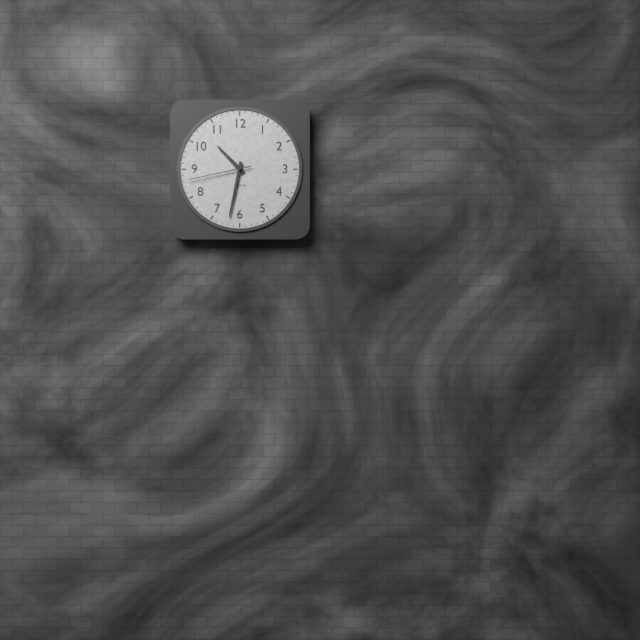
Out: 10,32,43
